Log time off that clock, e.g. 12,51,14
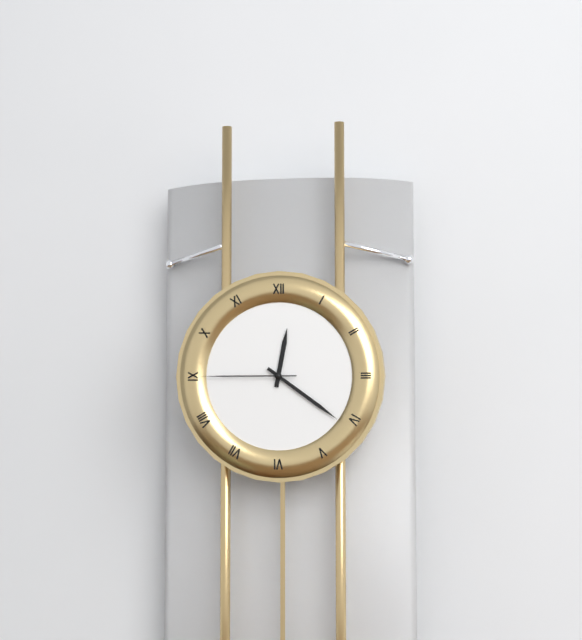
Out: 12,21,45
